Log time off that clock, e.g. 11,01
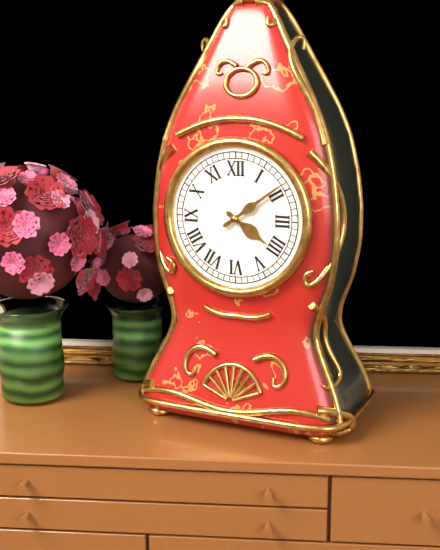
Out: 4,09
